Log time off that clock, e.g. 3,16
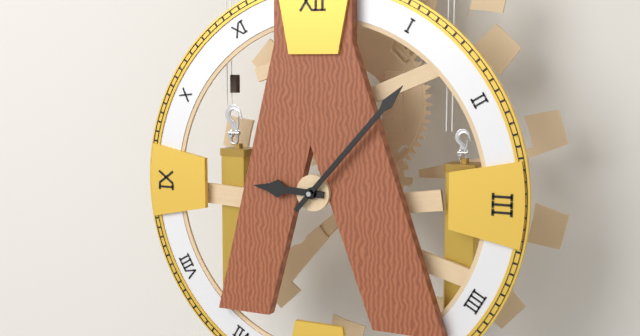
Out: 9,07
